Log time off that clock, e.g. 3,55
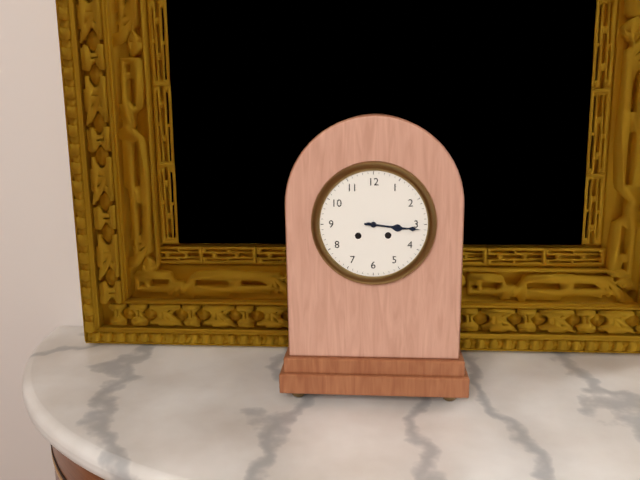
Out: 3,16
